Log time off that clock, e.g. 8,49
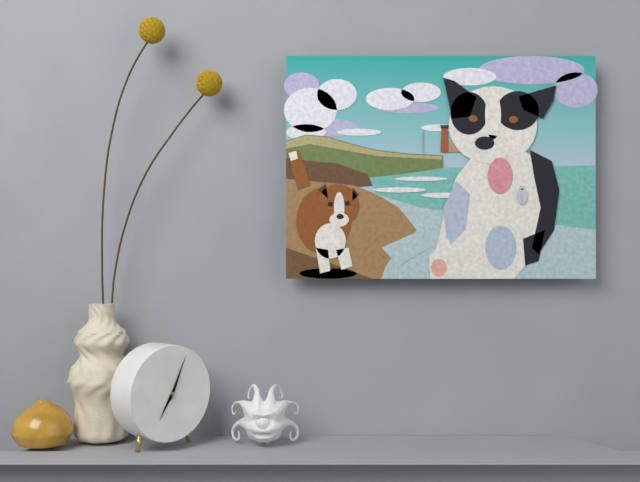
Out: 7,04
